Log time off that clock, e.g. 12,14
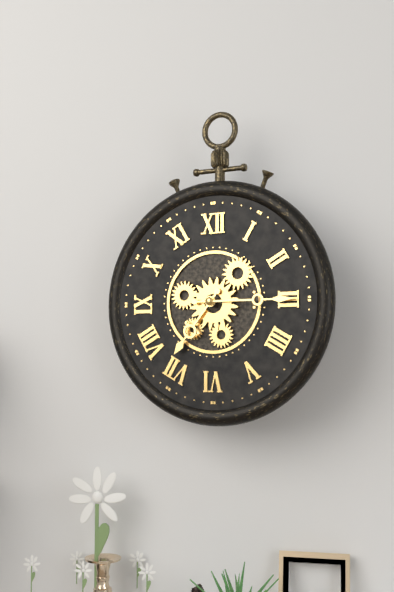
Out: 7,15
